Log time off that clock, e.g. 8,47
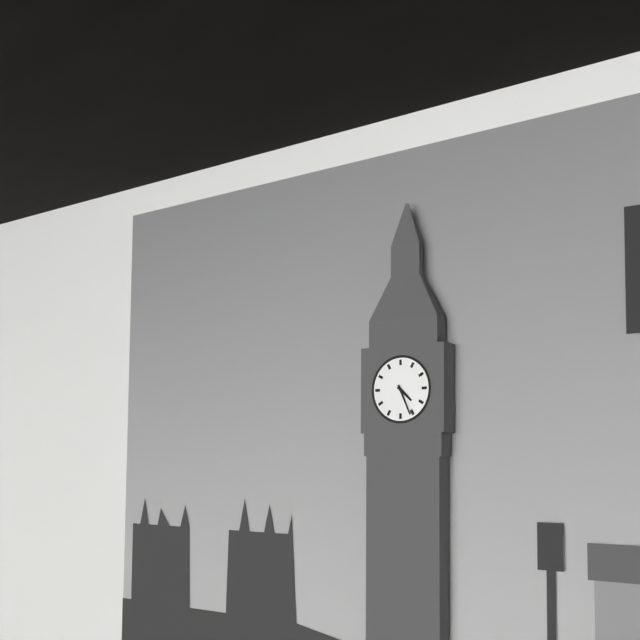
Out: 4,26
